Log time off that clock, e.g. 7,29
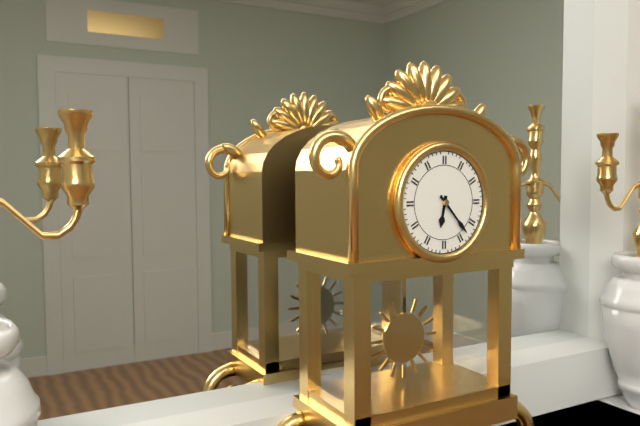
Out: 6,23
